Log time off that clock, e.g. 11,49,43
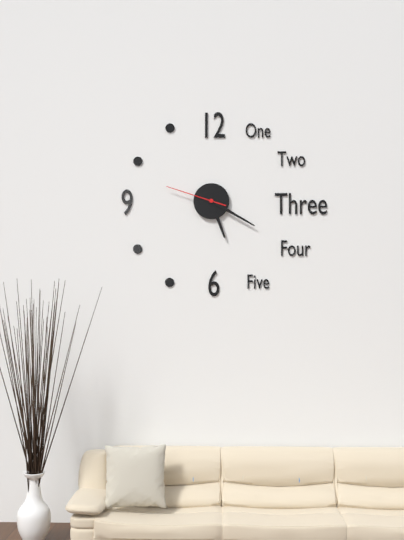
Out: 5,20,48
